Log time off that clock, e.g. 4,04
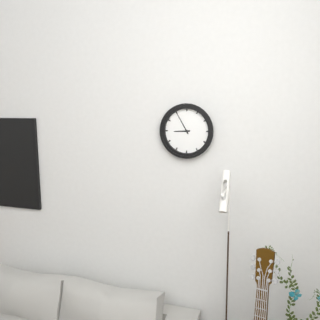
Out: 8,55
